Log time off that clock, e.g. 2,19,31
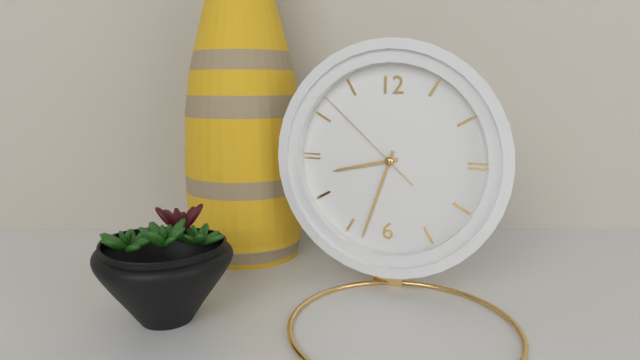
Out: 8,33,52
